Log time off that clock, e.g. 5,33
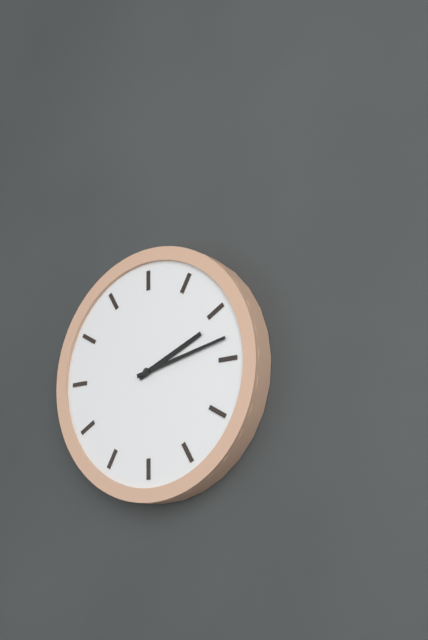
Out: 2,13
